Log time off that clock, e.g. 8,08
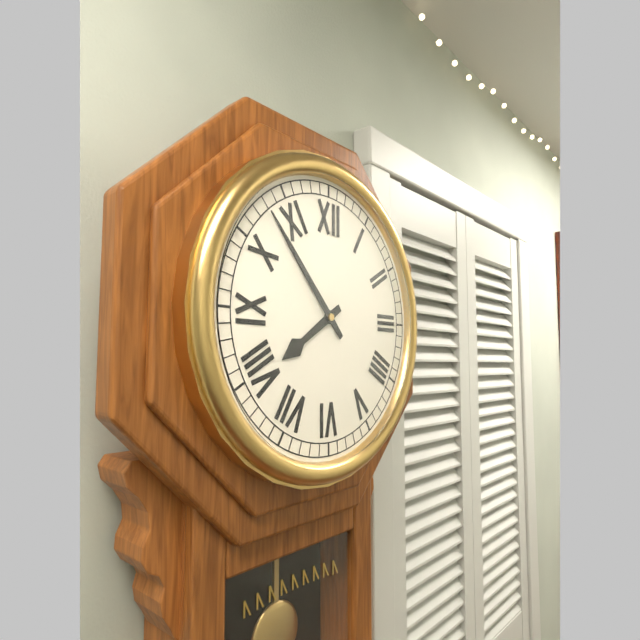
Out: 7,53
